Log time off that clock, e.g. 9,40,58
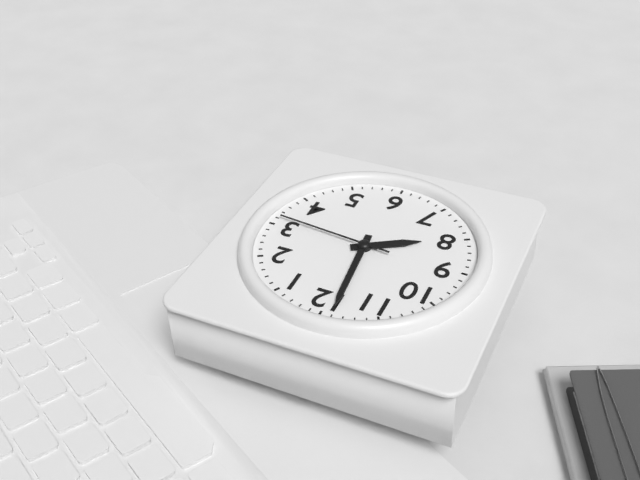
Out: 7,59,16
